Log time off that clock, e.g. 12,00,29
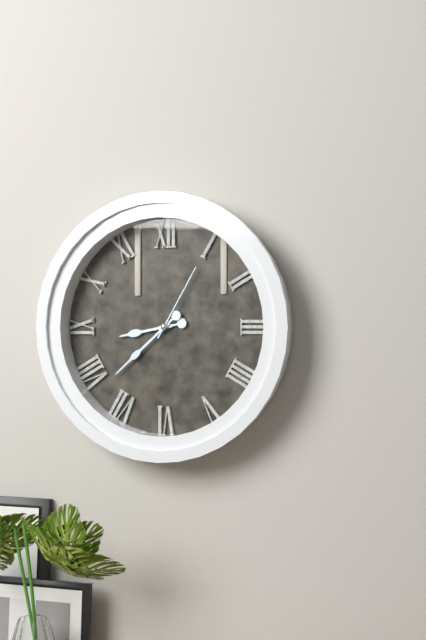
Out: 8,38,05
